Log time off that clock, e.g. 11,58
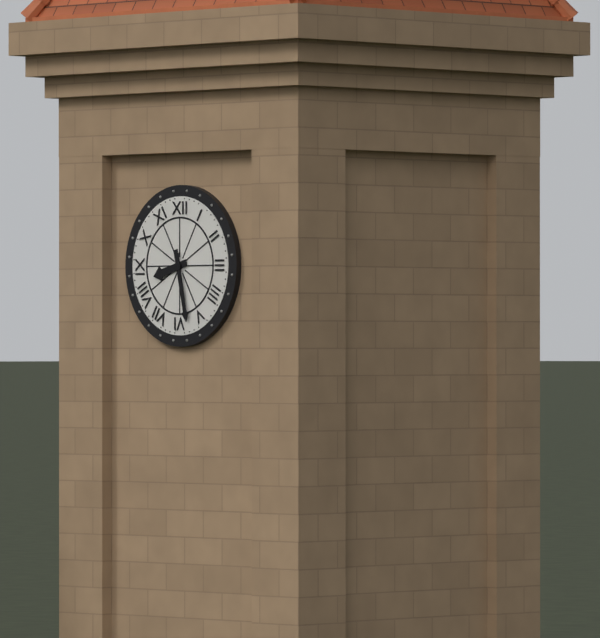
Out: 8,28
